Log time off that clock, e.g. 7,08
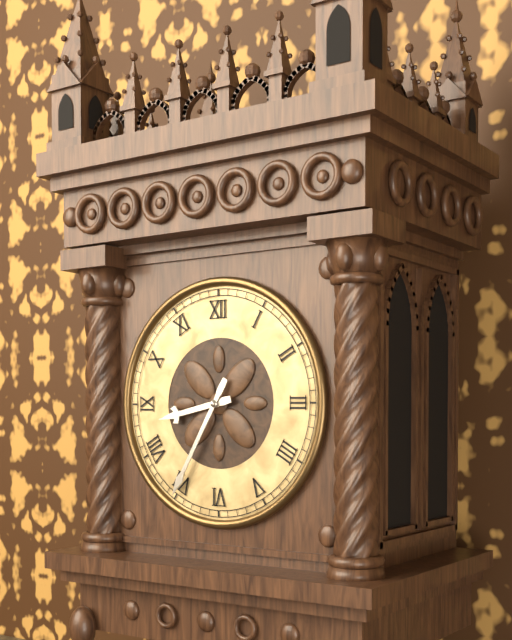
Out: 8,35
